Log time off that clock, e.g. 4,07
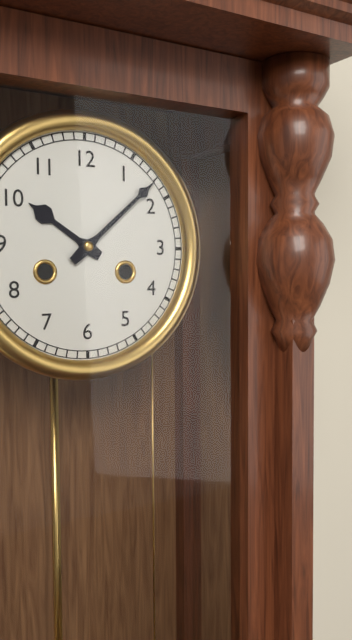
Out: 10,08
